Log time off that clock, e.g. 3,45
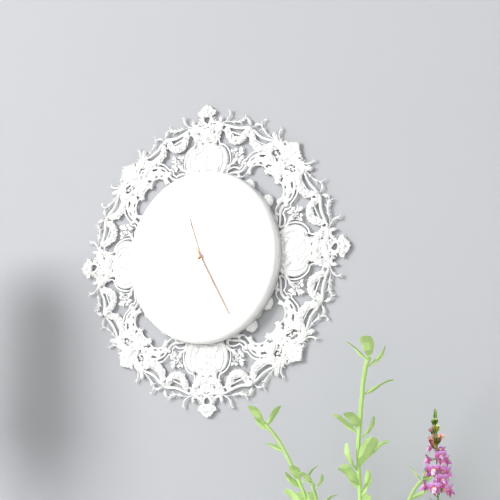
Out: 11,25
